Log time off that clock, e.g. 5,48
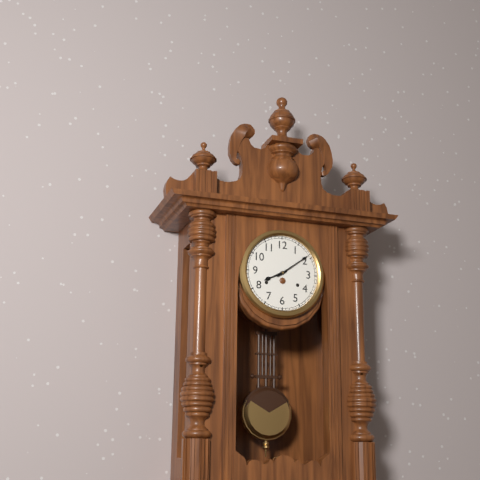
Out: 8,09
